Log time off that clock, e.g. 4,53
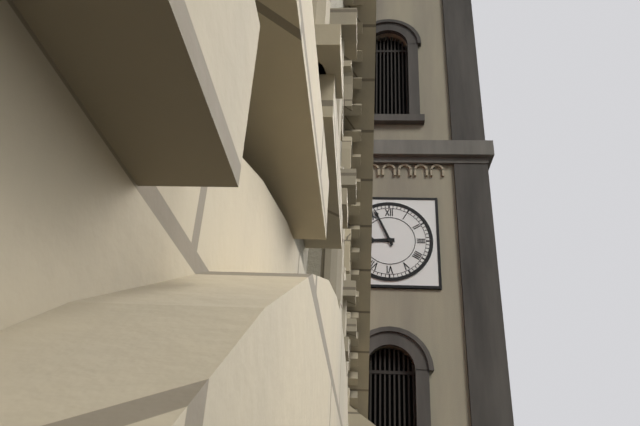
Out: 8,56
